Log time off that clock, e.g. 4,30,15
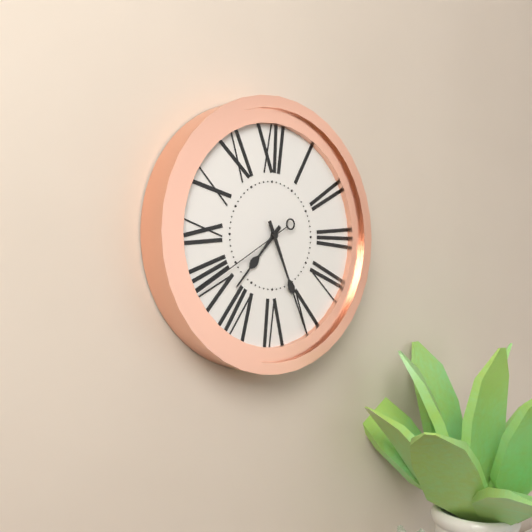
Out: 7,26,40
